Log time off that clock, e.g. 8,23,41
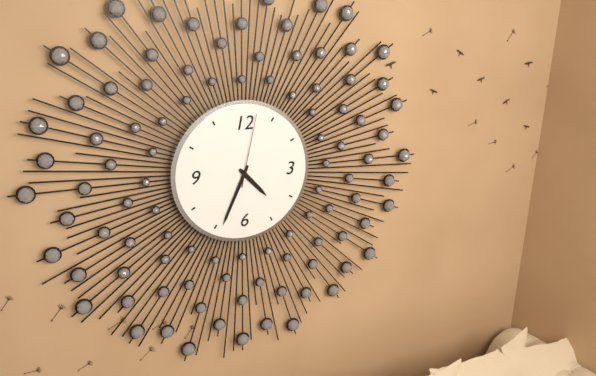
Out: 4,34,02
